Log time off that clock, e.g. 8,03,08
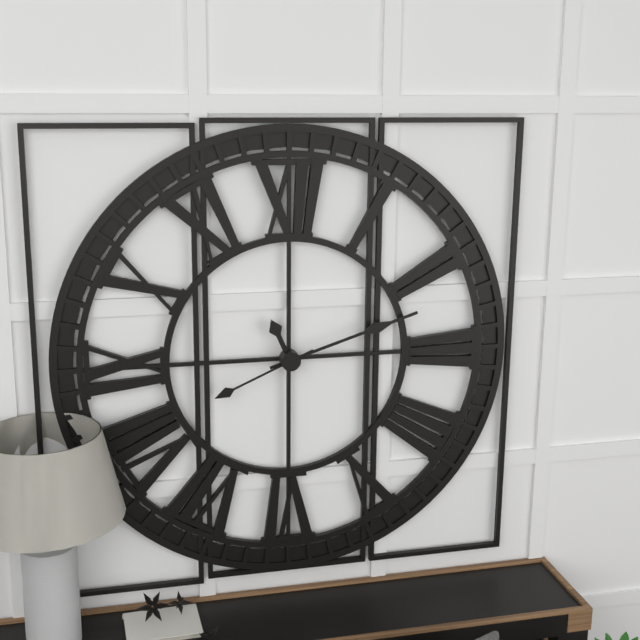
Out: 11,12,41
